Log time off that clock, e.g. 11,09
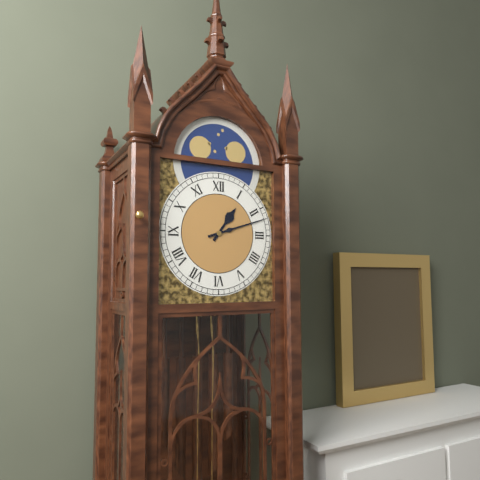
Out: 1,12
